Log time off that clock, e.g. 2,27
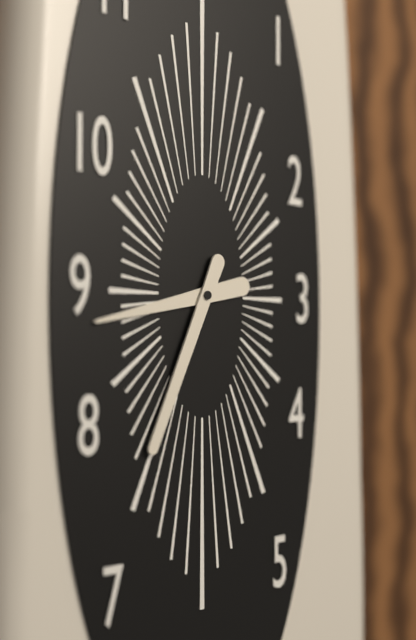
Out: 8,34
